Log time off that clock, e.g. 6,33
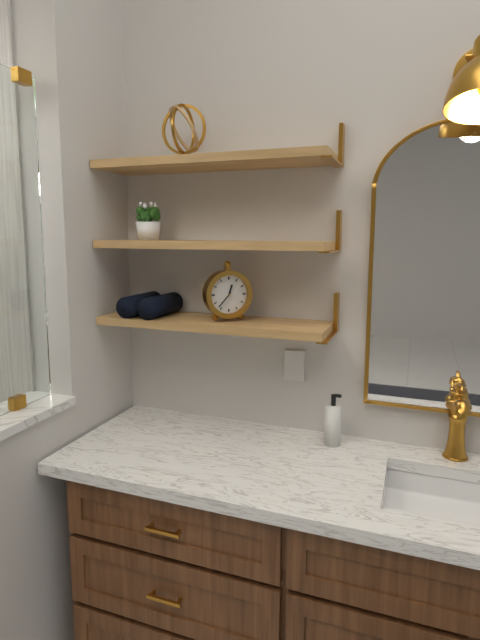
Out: 12,37
